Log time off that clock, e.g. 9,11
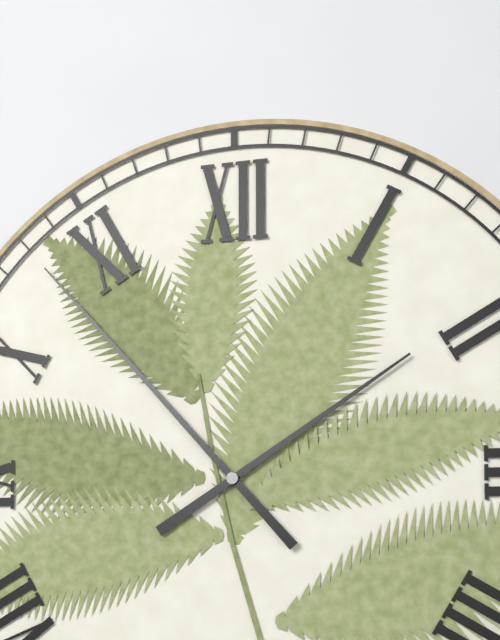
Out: 1,53
